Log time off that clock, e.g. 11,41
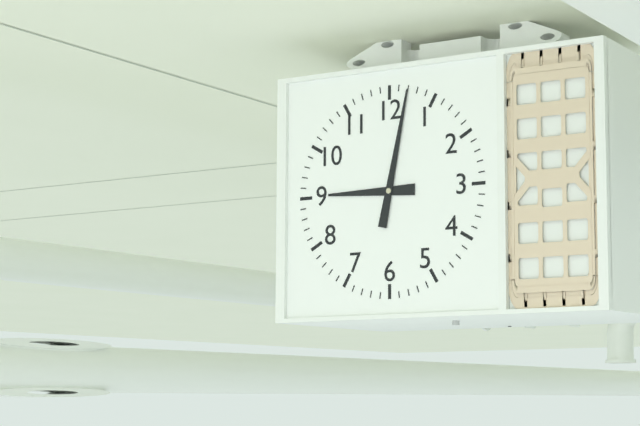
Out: 9,02
